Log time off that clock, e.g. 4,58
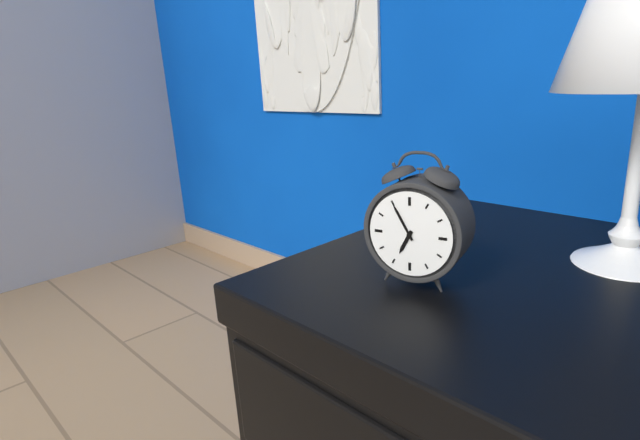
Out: 6,55
